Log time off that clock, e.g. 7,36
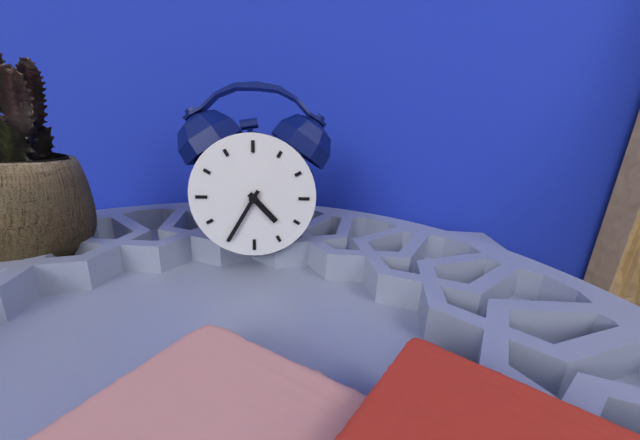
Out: 4,35
